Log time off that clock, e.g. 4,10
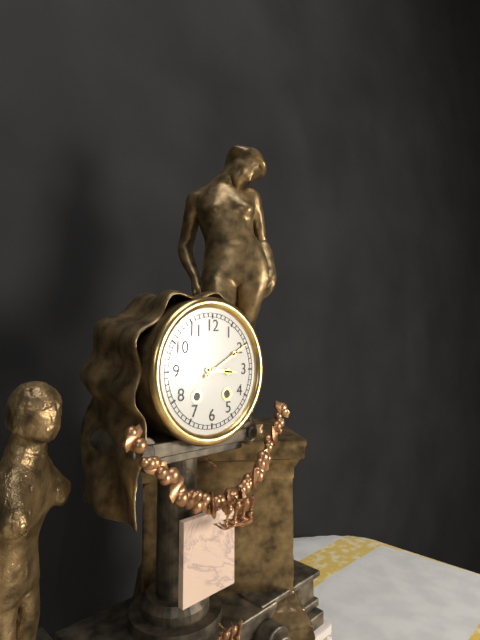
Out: 3,10
